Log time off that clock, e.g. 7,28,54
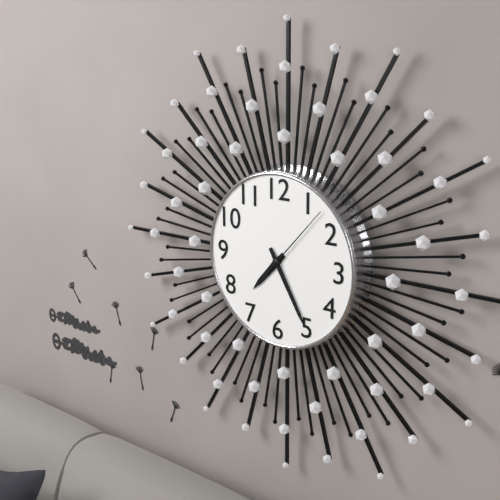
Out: 7,25,07
